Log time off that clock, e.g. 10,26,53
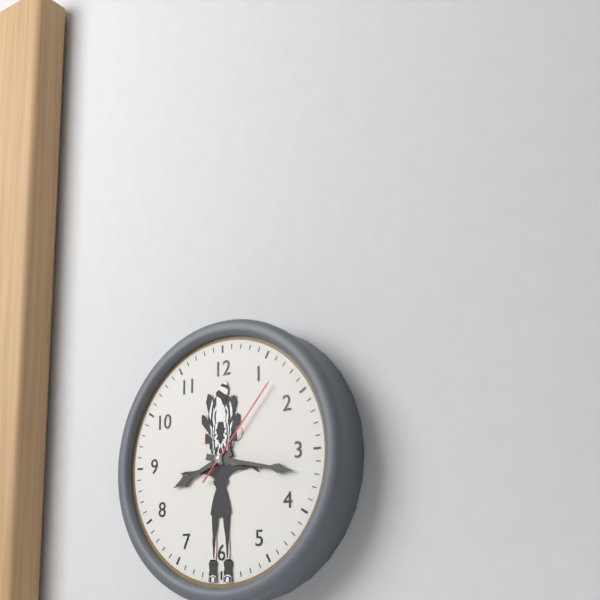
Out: 8,17,07
